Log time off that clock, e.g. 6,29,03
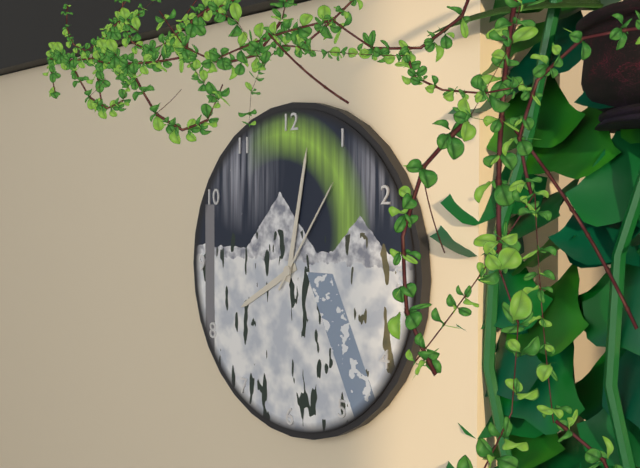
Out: 8,02,06
